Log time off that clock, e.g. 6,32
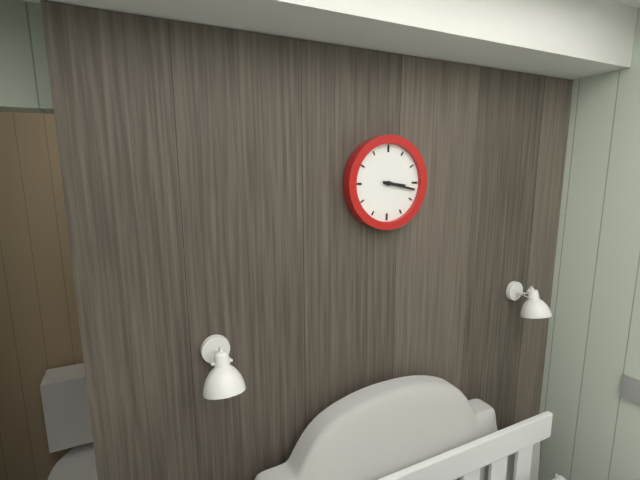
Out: 3,17
